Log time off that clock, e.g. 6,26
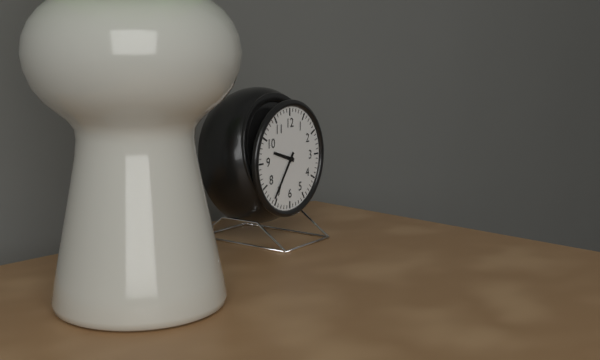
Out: 9,36
